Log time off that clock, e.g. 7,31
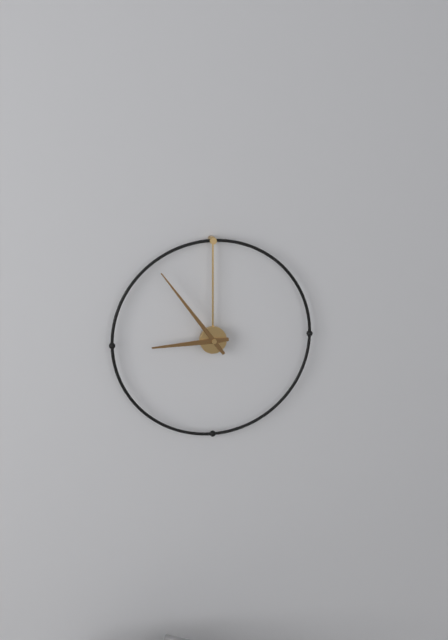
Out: 8,54
